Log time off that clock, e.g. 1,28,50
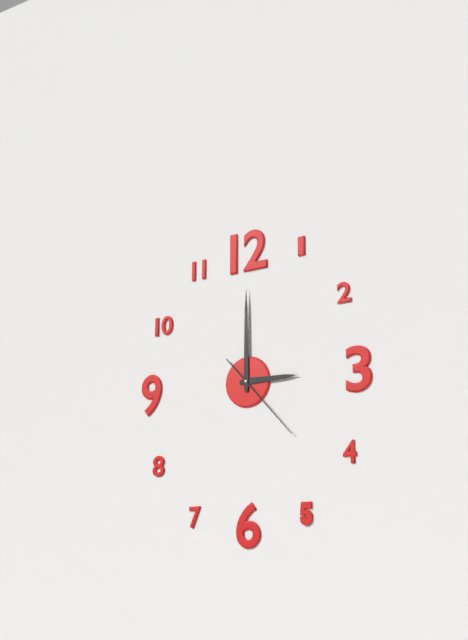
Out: 3,00,23
